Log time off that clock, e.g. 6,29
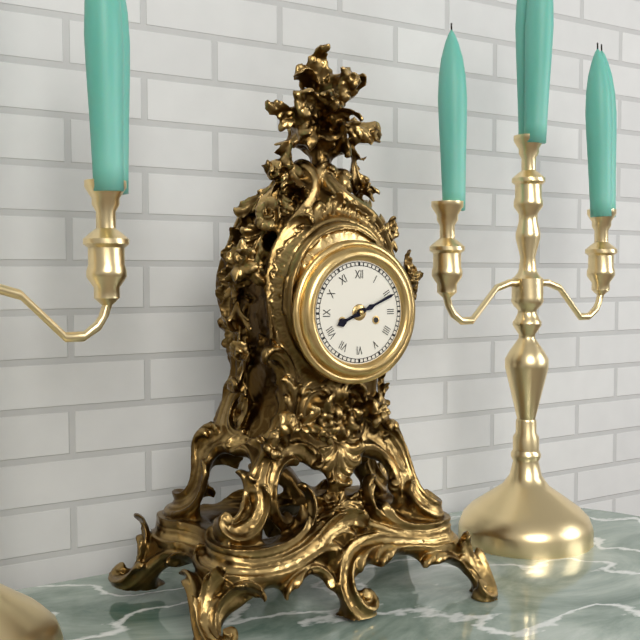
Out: 8,11
